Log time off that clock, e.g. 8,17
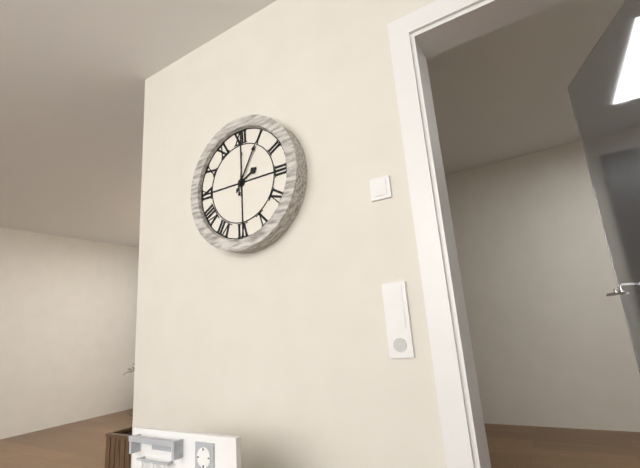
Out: 2,05
